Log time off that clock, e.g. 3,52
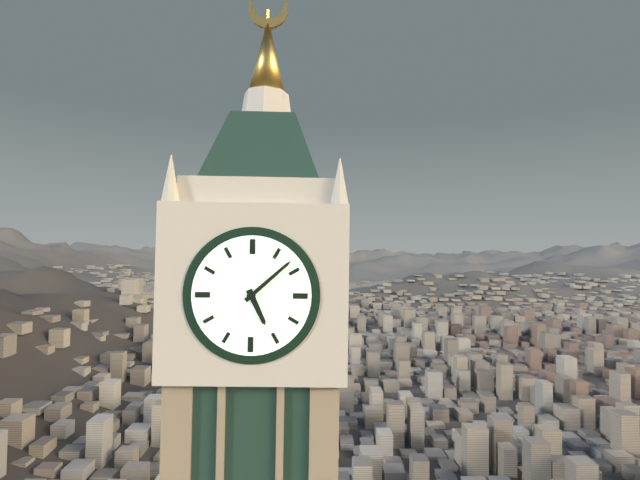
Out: 5,08
